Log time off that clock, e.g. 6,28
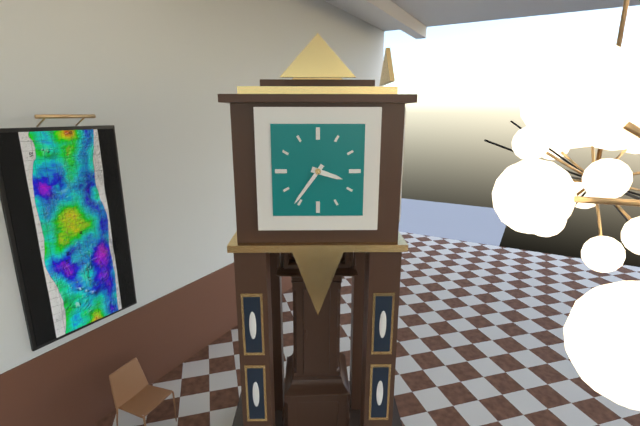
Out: 3,36
